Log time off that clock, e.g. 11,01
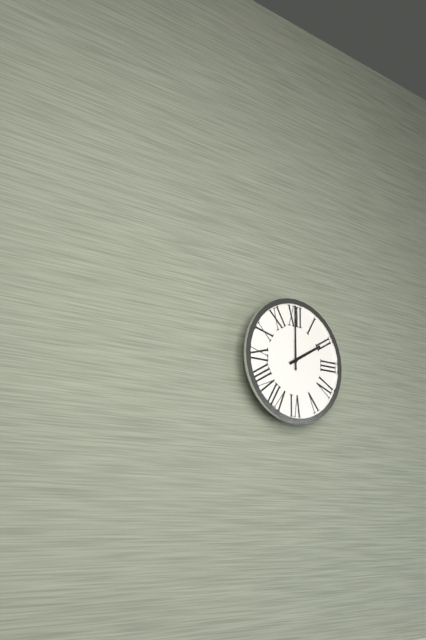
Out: 2,00
